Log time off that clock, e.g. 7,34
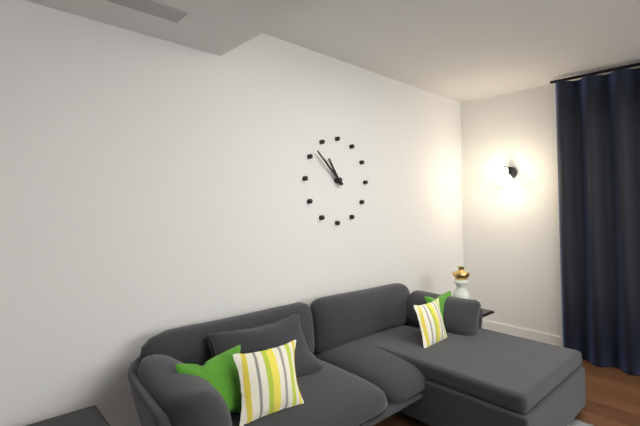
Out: 10,52
